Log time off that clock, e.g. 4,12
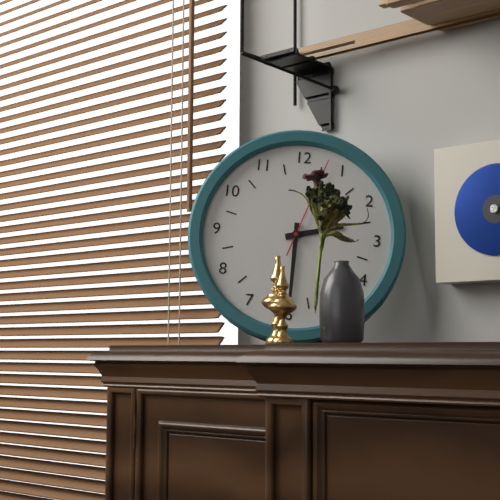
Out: 2,30
